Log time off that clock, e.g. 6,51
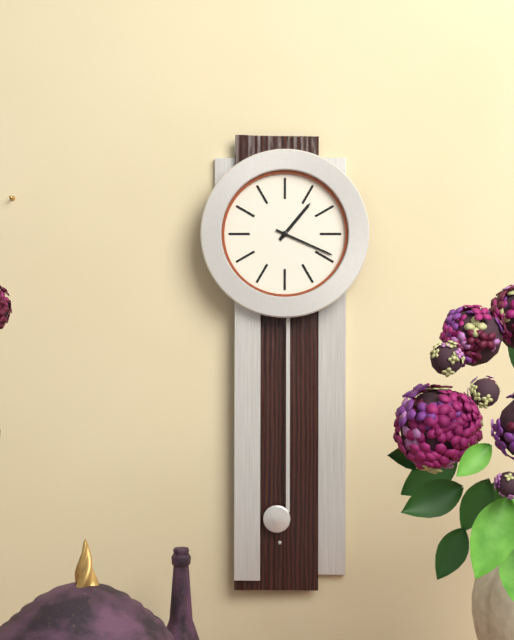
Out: 1,19
